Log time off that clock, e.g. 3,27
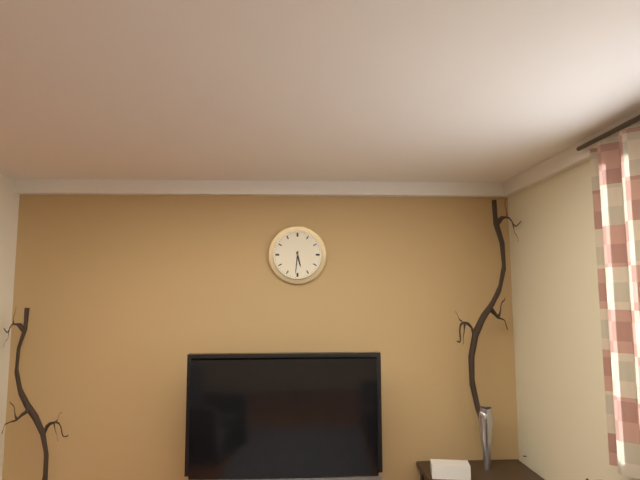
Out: 5,31
